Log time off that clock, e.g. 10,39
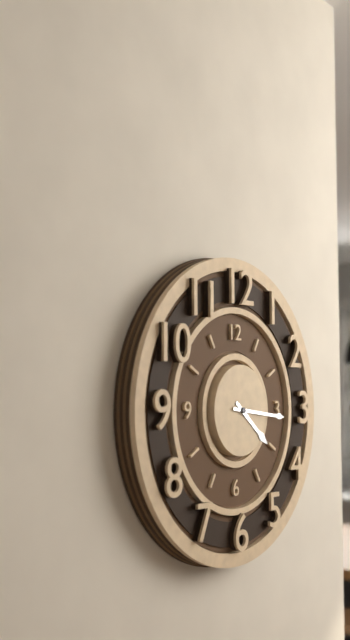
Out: 4,16
